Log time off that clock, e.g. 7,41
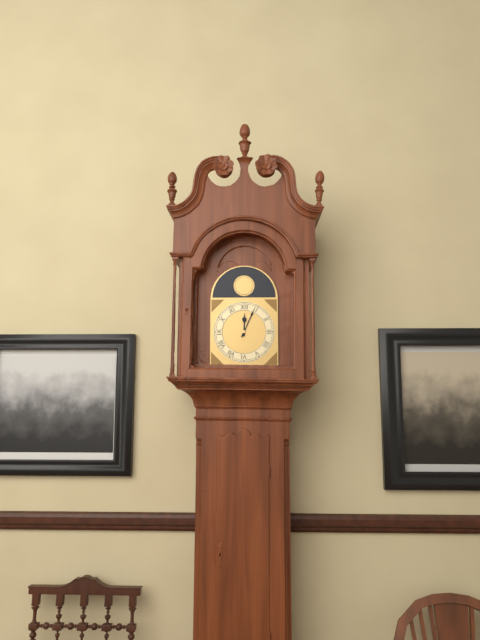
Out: 12,04
